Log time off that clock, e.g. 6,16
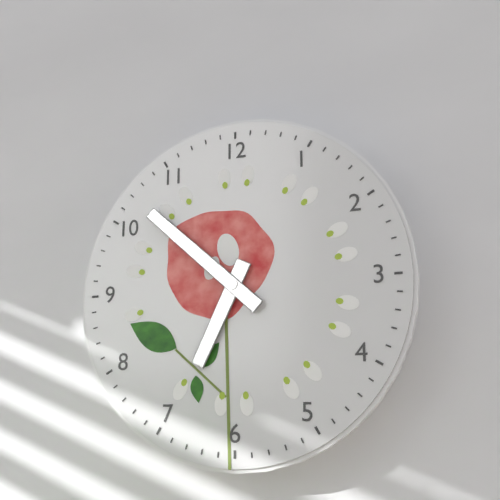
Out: 6,52
